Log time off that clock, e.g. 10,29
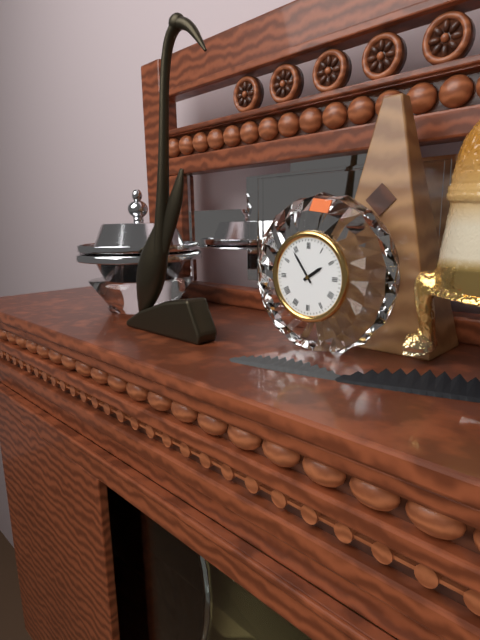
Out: 1,54
